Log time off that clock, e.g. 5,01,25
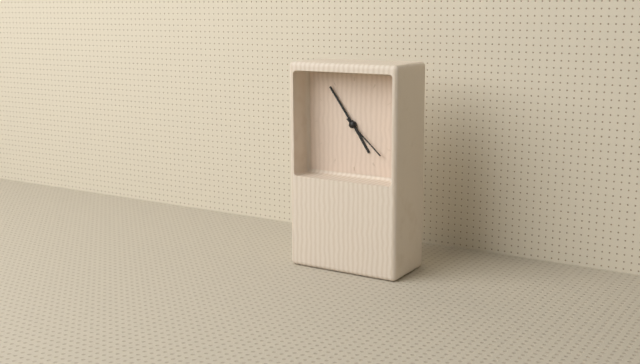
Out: 4,54,22
